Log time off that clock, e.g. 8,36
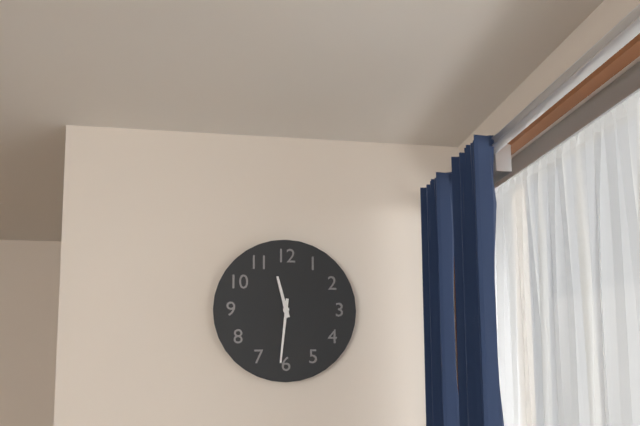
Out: 11,31
